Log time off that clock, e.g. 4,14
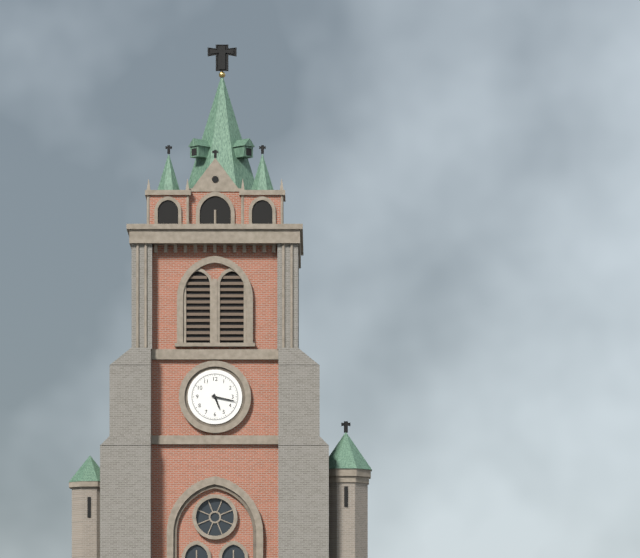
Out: 5,17
